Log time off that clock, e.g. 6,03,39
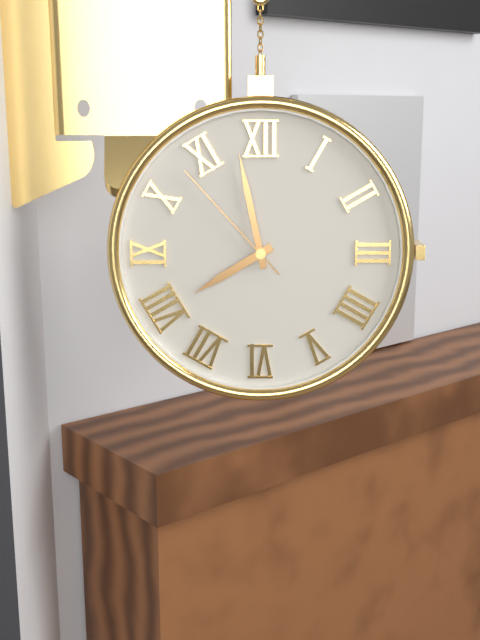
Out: 7,58,53
